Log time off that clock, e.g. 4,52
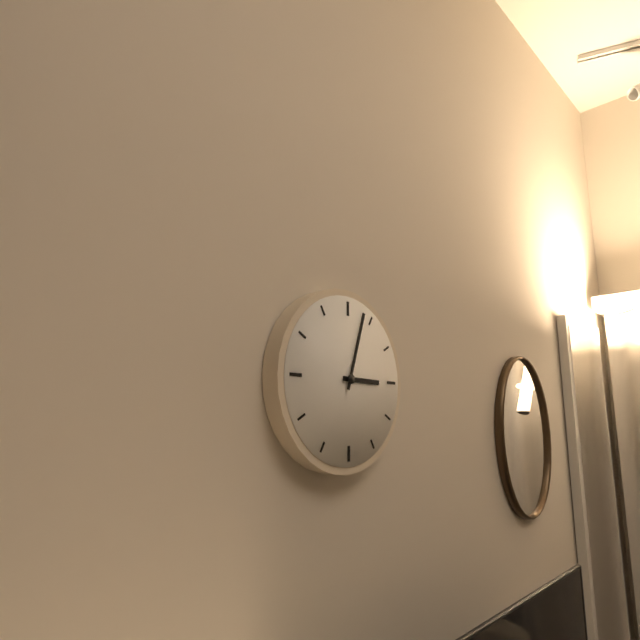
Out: 3,03
